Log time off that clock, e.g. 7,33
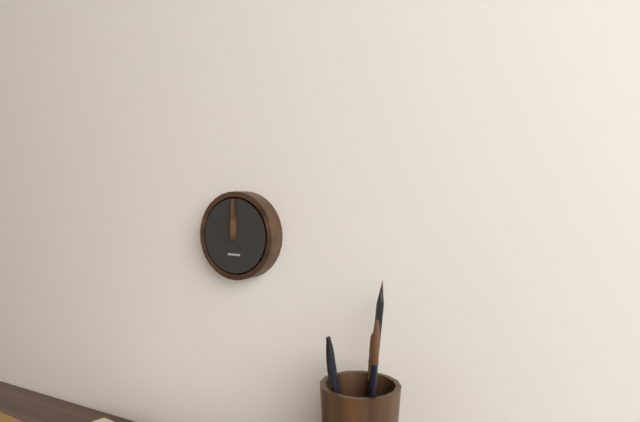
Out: 12,00
